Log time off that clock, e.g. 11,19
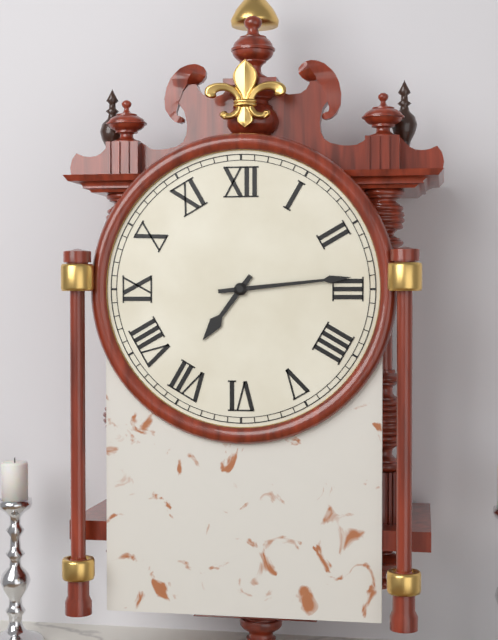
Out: 7,14
